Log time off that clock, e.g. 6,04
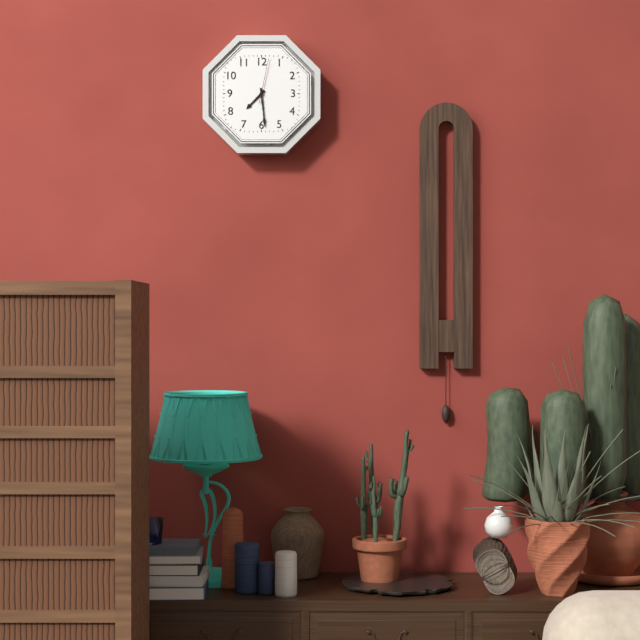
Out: 7,29
